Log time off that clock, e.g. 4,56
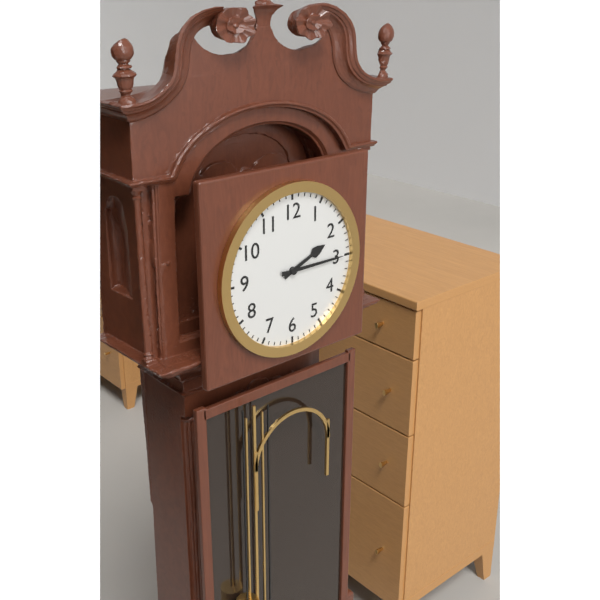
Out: 2,15
